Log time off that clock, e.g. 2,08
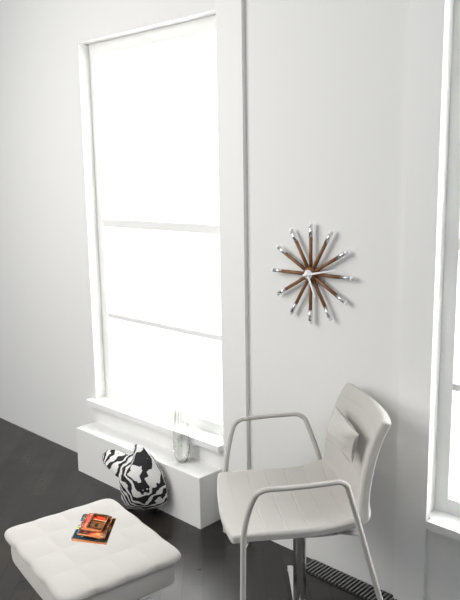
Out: 5,13
